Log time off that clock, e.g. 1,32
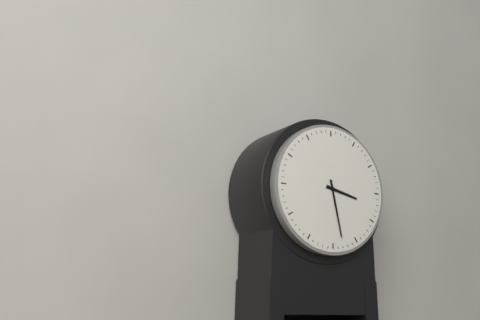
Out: 3,28
